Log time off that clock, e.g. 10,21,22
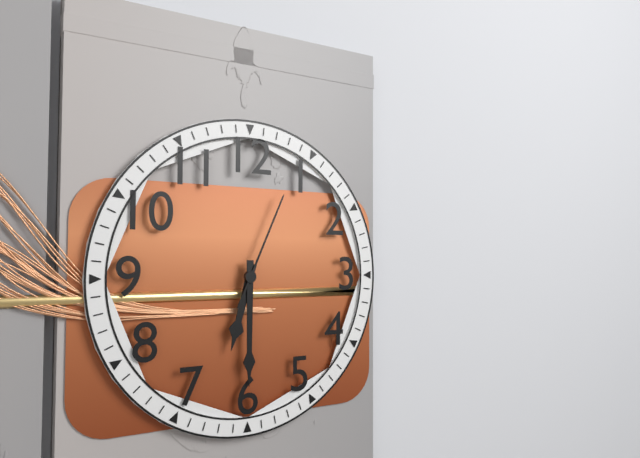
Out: 6,30,04
